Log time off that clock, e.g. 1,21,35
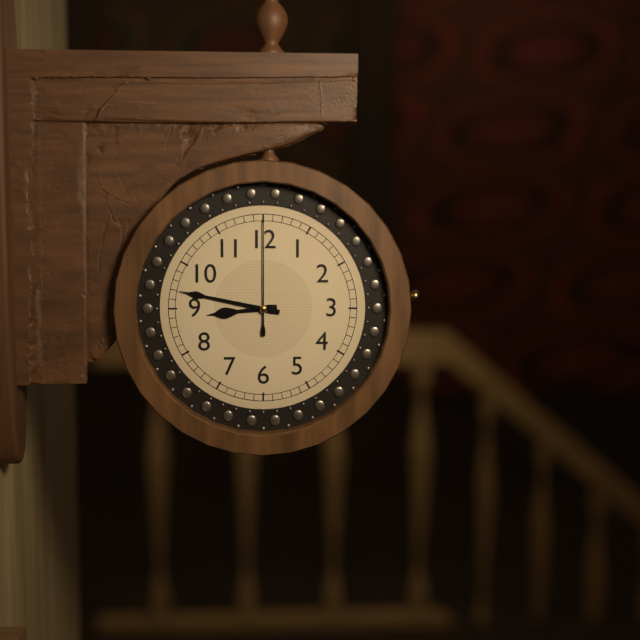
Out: 8,47,00
